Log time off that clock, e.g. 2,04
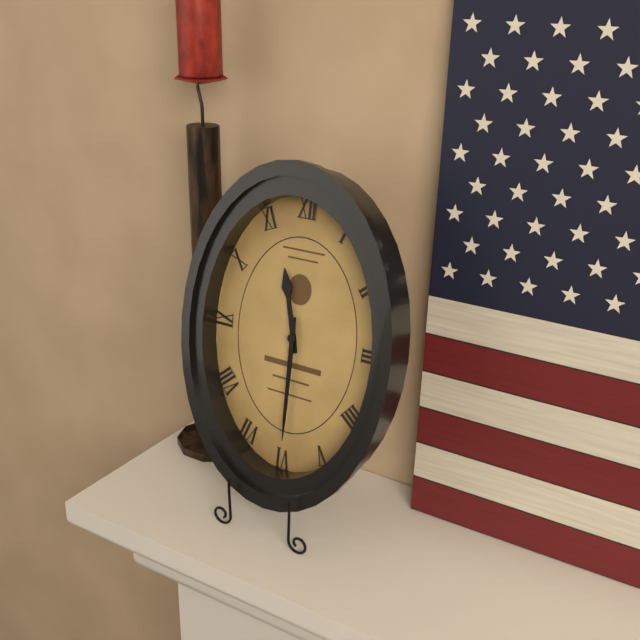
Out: 11,30
